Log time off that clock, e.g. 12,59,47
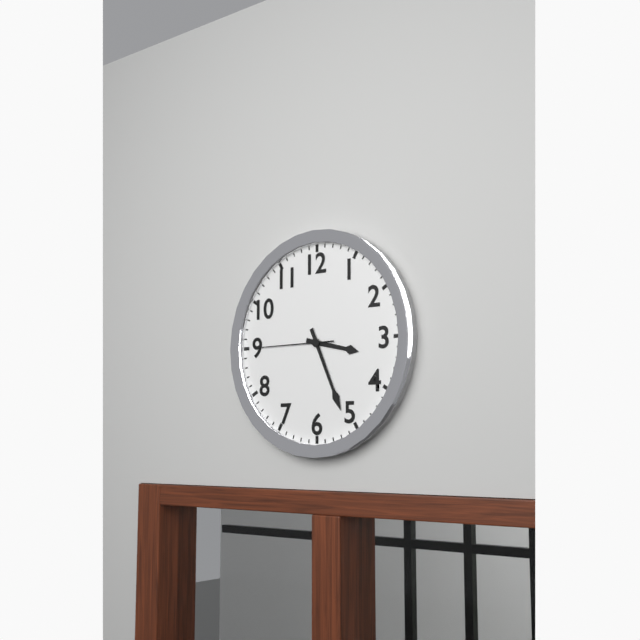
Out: 3,26,45
